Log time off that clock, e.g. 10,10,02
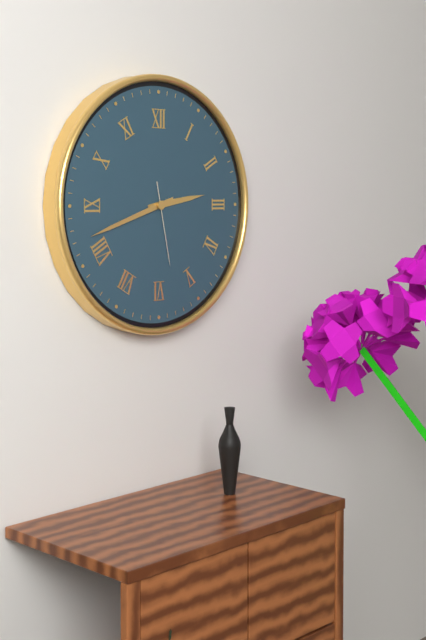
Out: 2,42,28
